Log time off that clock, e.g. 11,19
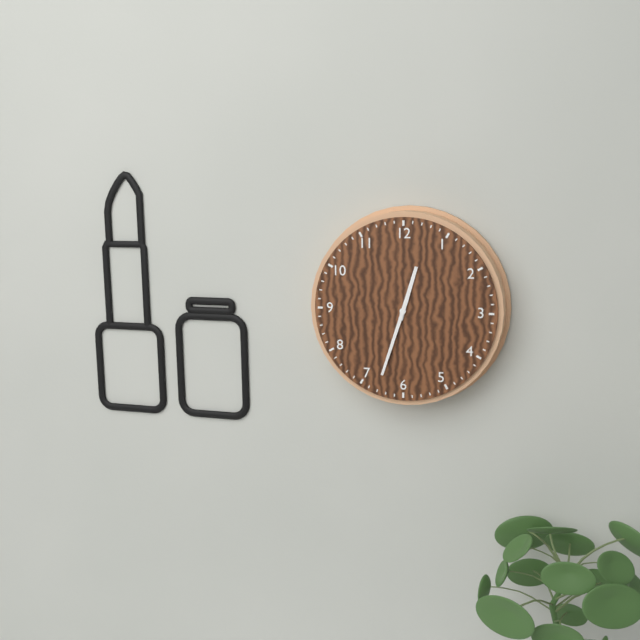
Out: 12,33
